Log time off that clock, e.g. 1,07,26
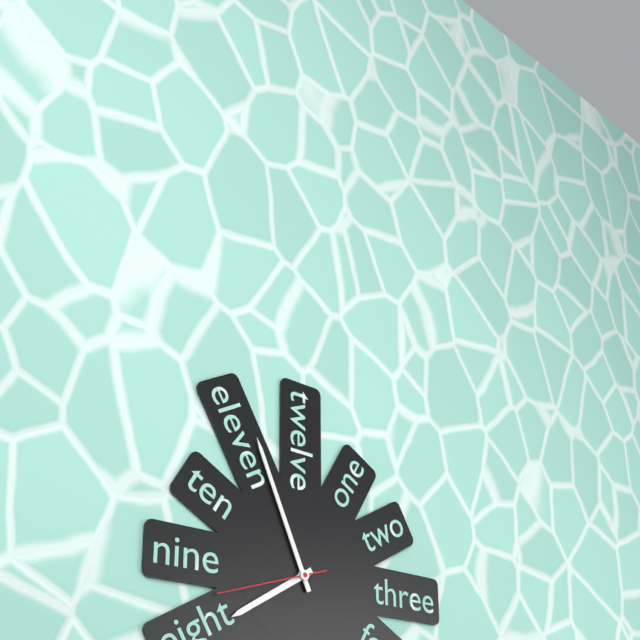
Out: 7,56,42
